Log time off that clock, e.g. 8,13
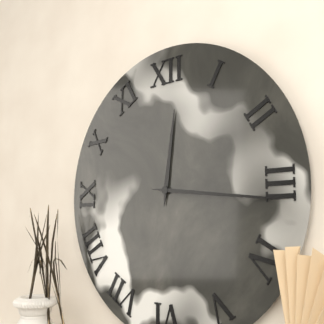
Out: 12,16
